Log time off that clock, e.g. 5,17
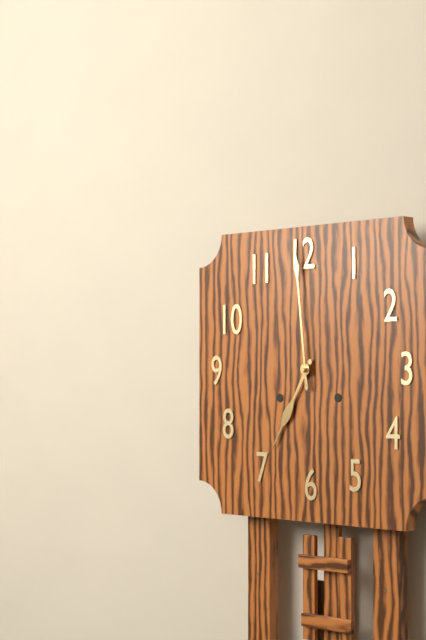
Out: 6,59
